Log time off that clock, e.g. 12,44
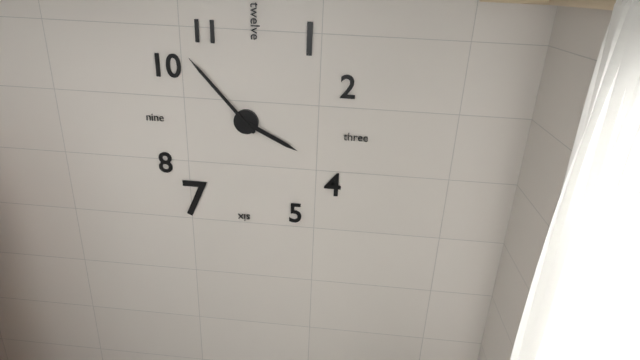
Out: 3,53
